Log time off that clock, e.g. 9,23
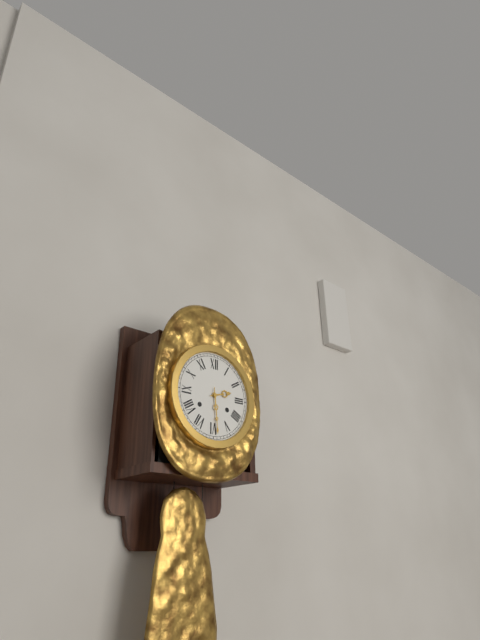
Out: 2,29
